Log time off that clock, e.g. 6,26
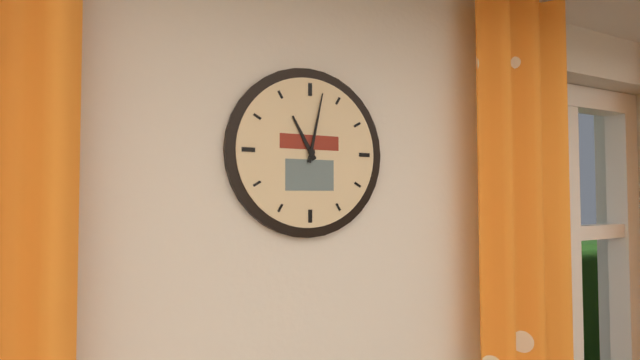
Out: 11,02
